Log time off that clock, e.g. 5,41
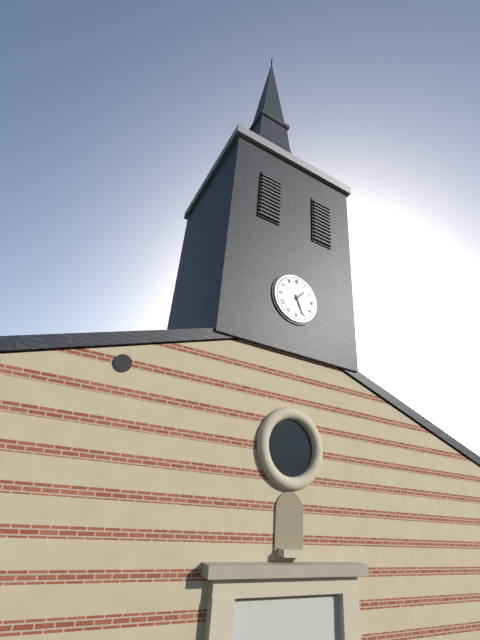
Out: 1,26
